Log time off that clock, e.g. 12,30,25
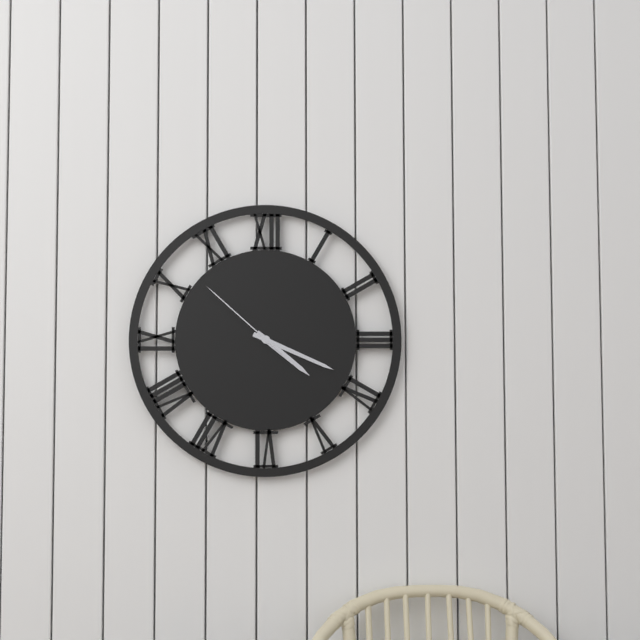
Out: 4,19,52
